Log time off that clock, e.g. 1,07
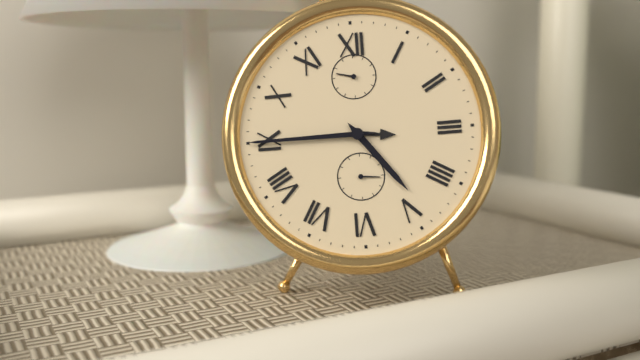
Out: 4,45
